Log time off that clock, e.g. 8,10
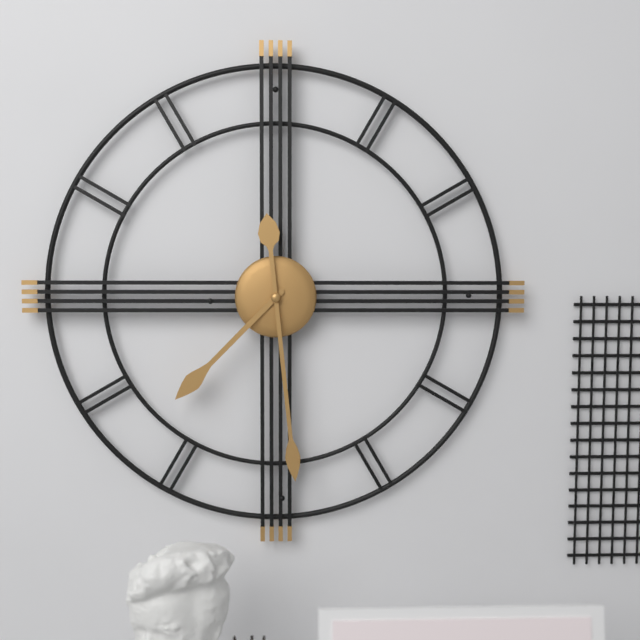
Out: 7,29
